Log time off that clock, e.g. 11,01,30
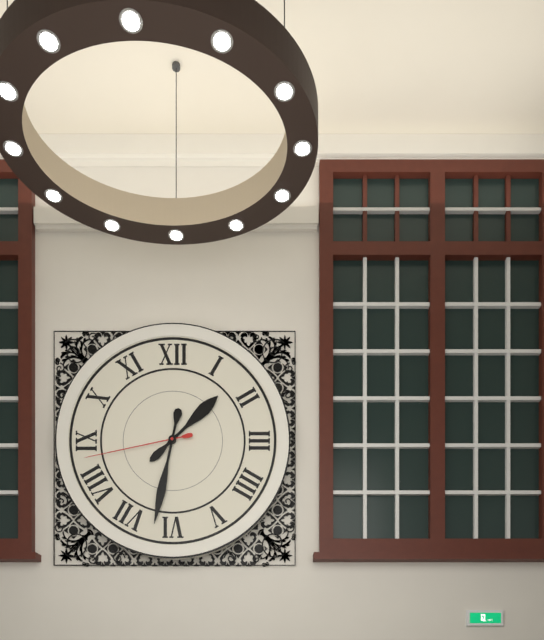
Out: 1,32,43
